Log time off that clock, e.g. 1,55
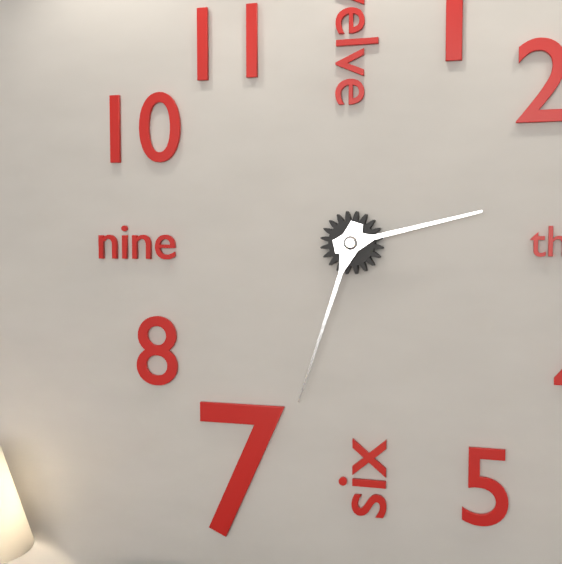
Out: 2,33
